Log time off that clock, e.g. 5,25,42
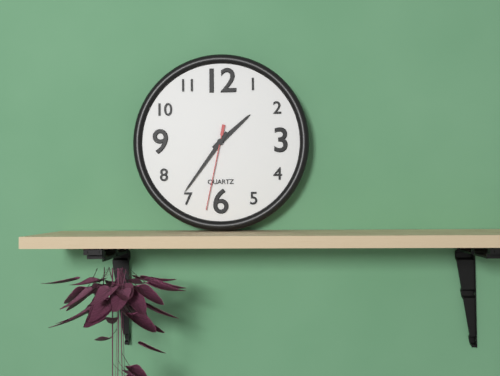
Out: 1,36,32
